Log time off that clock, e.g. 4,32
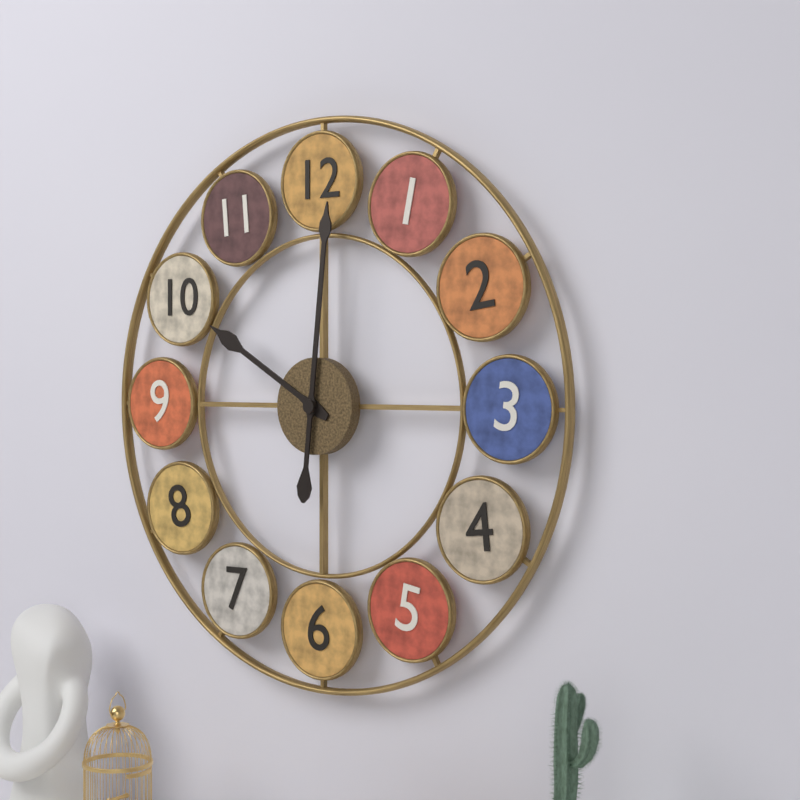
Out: 10,01
